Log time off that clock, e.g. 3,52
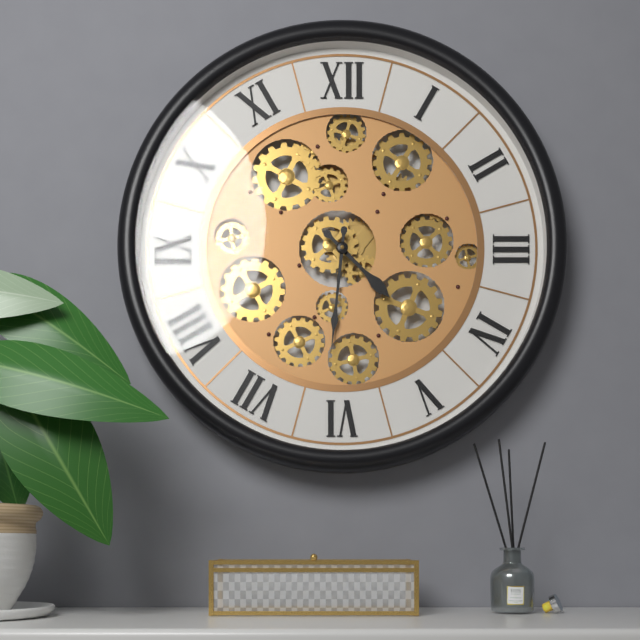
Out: 4,31
